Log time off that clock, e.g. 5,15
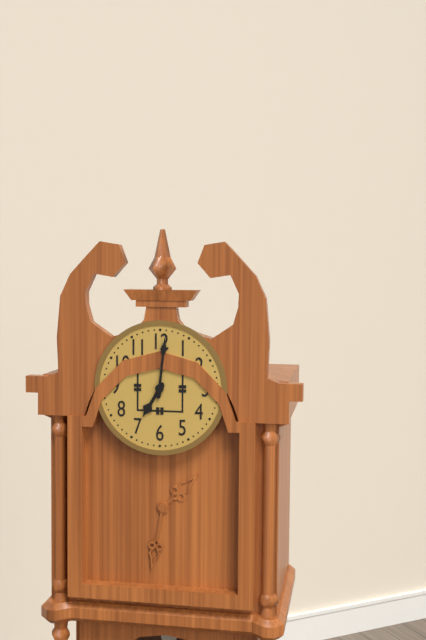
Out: 7,01
